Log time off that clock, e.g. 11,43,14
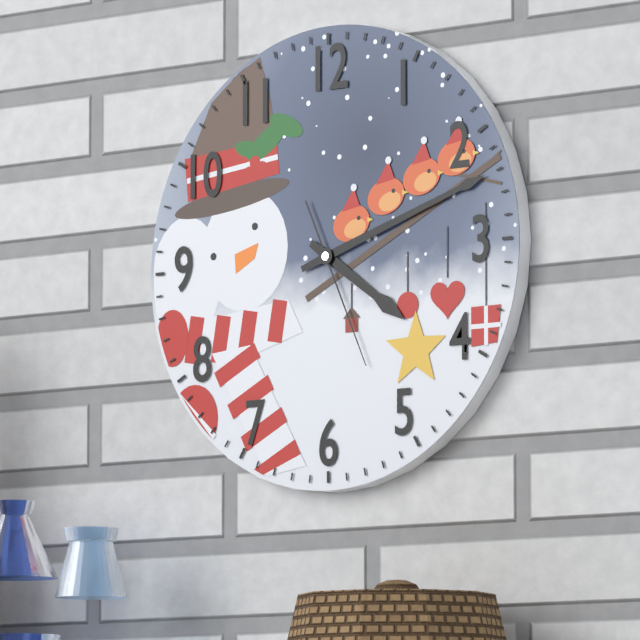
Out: 4,12,26
